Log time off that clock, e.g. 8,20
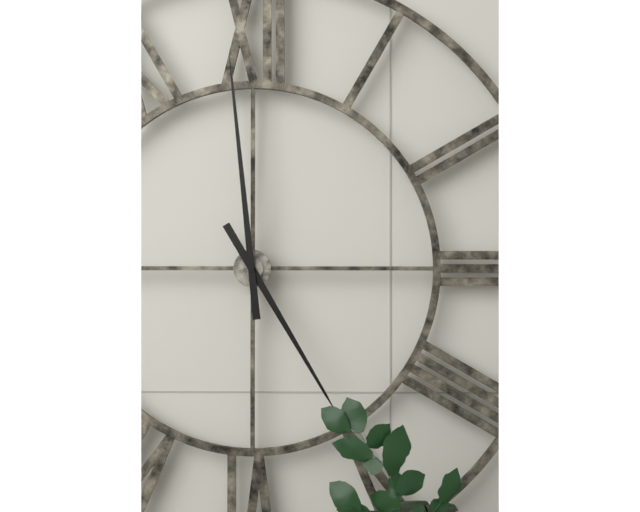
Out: 4,59
